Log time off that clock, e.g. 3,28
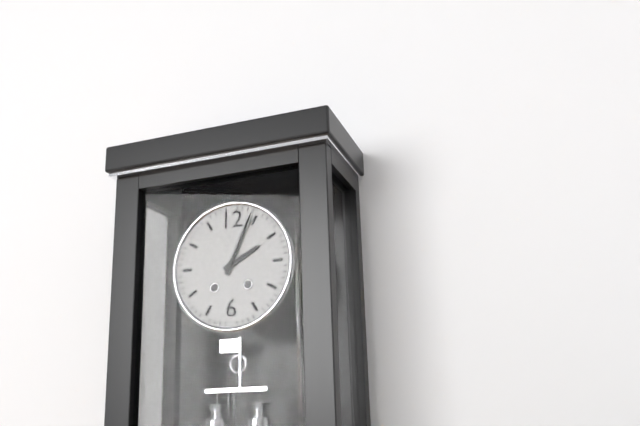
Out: 2,04
